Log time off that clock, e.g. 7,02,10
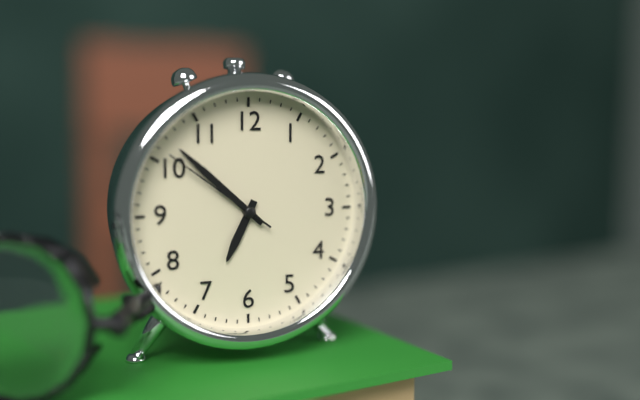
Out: 6,52,51
